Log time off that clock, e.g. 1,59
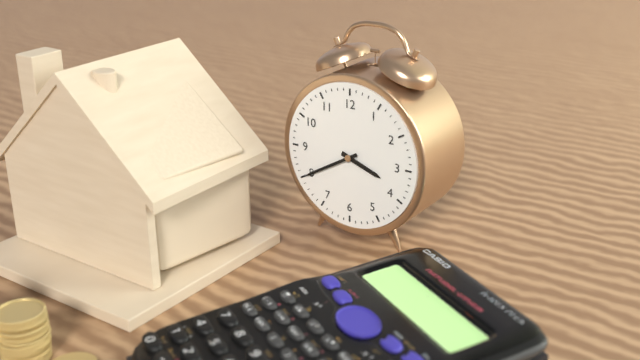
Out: 3,40
